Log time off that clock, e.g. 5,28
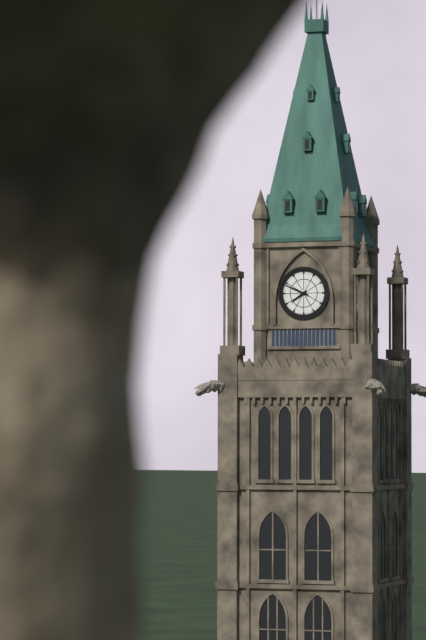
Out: 7,49
